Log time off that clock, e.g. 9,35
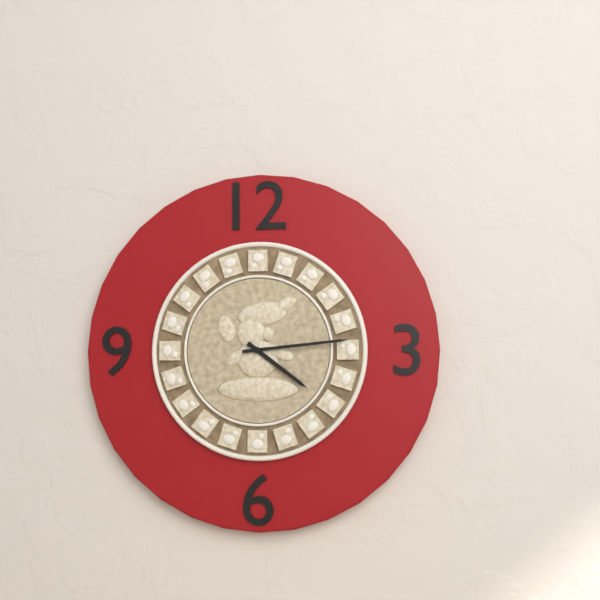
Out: 4,14
